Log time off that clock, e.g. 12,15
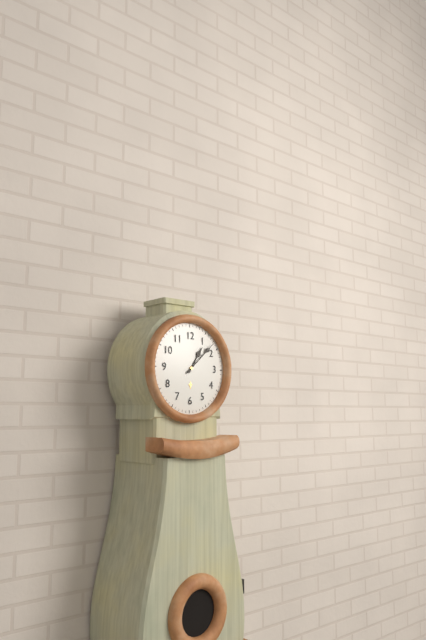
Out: 1,08
